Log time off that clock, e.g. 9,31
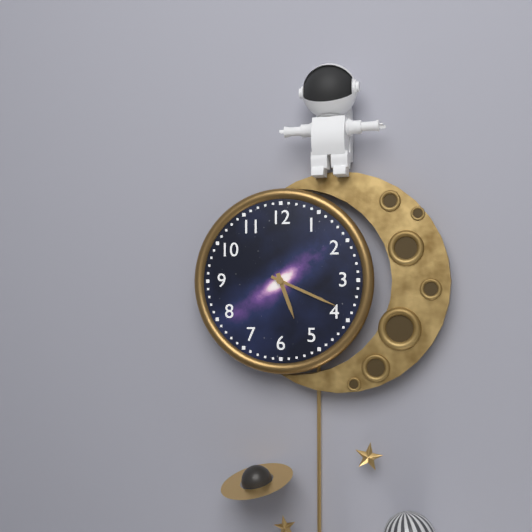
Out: 5,19
